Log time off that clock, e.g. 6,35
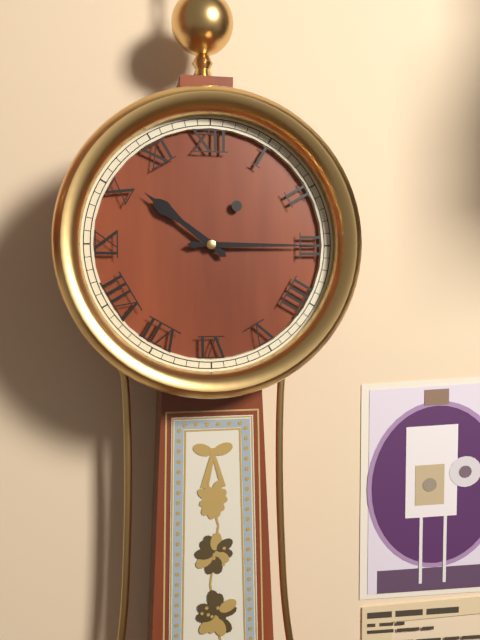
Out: 10,15
